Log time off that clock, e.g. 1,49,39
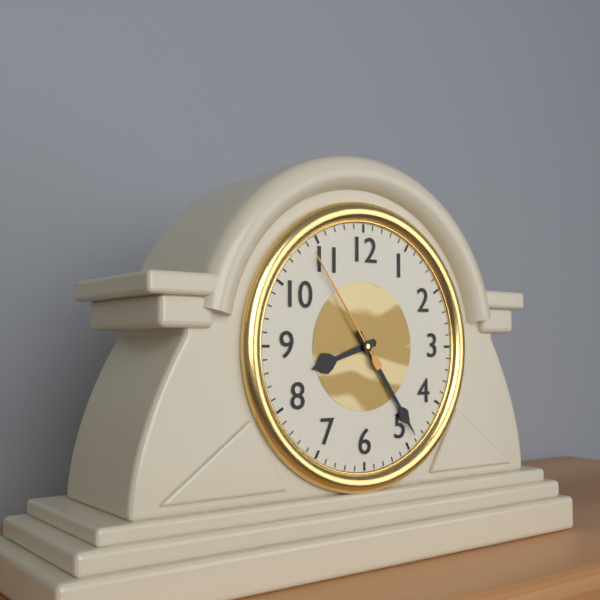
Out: 8,24,54
